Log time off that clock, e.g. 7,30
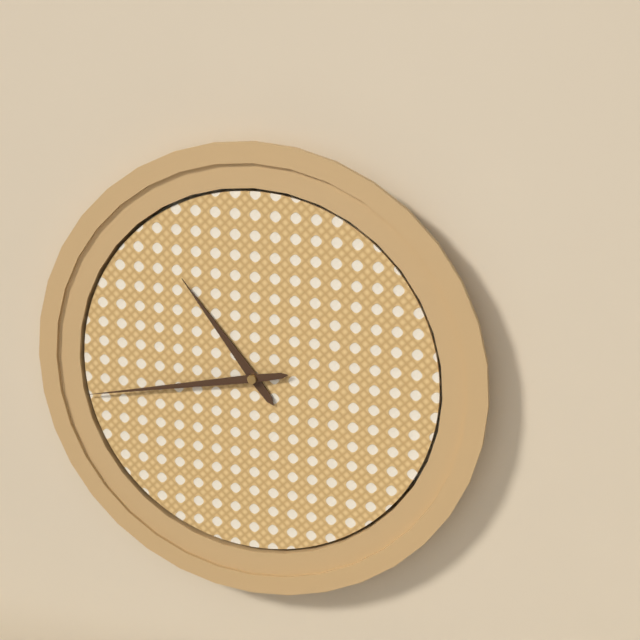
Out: 10,43
